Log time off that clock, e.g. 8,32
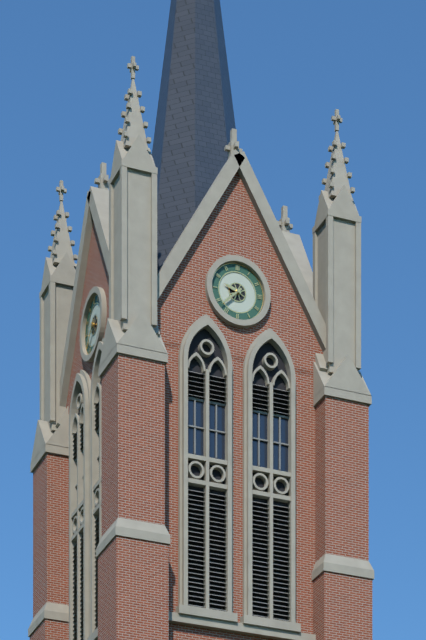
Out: 9,38
